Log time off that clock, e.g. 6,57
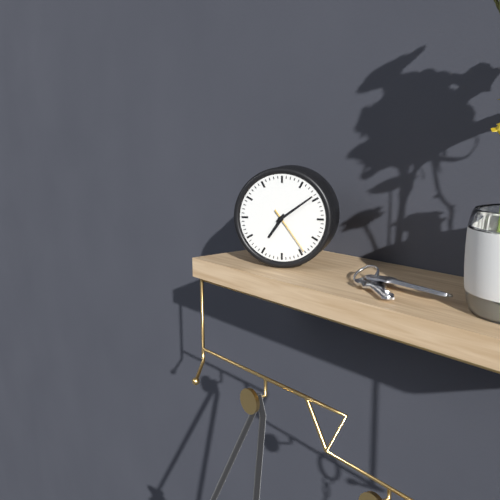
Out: 7,09
